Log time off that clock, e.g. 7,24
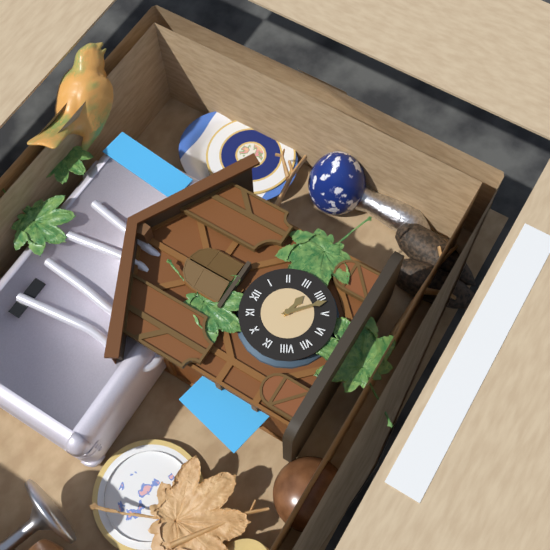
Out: 3,22
